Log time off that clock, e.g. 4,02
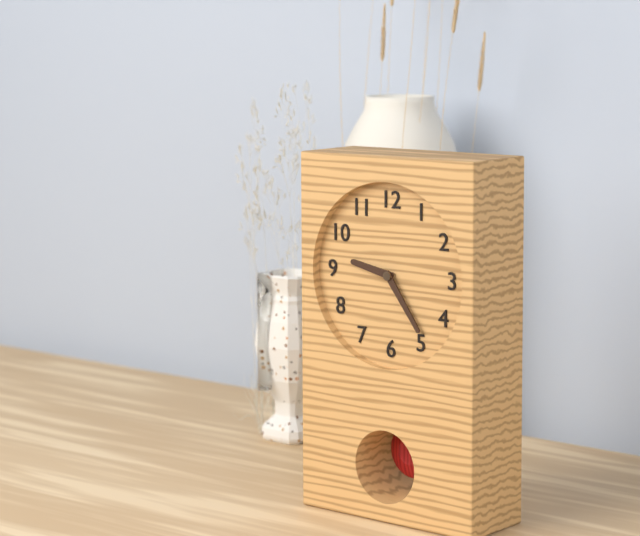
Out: 9,24
